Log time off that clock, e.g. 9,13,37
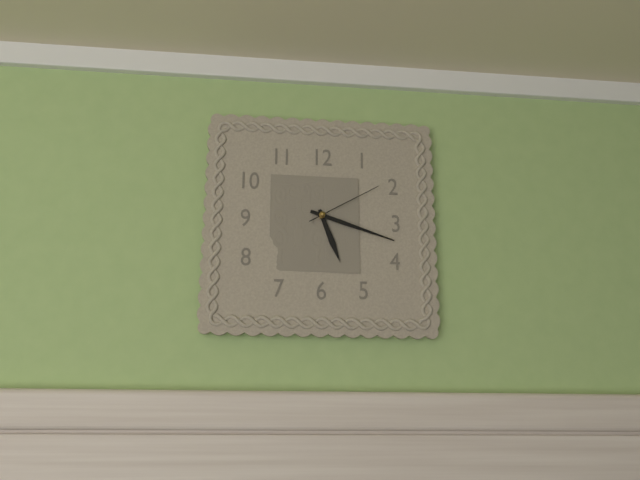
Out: 5,18,10
